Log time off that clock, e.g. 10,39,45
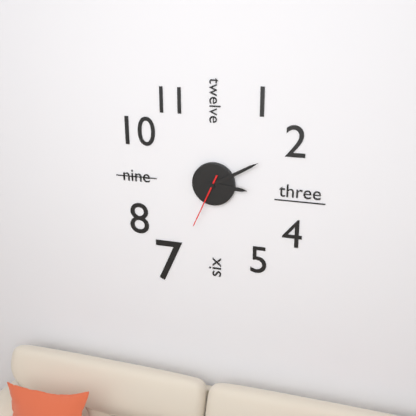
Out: 3,10,34
